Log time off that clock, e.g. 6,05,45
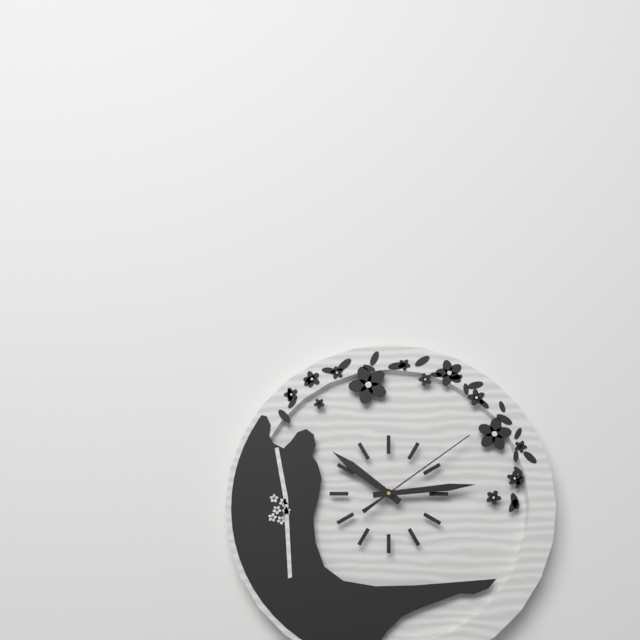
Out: 10,14,09
